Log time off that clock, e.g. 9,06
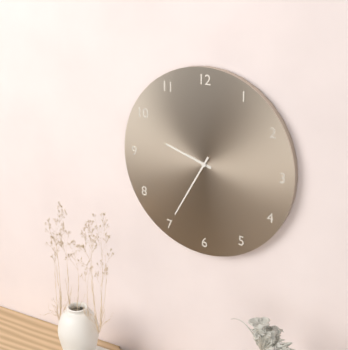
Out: 9,35
